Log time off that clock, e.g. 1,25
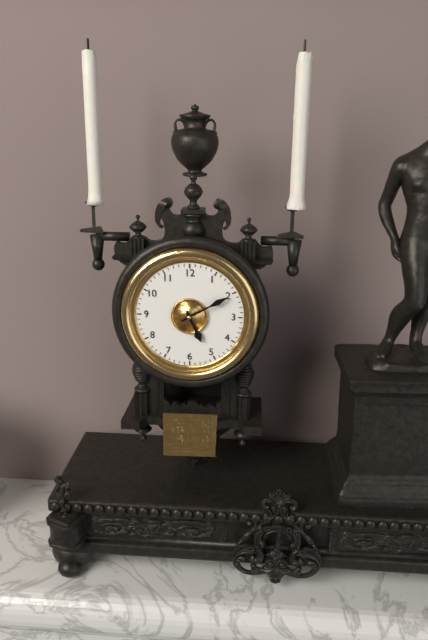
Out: 5,10
